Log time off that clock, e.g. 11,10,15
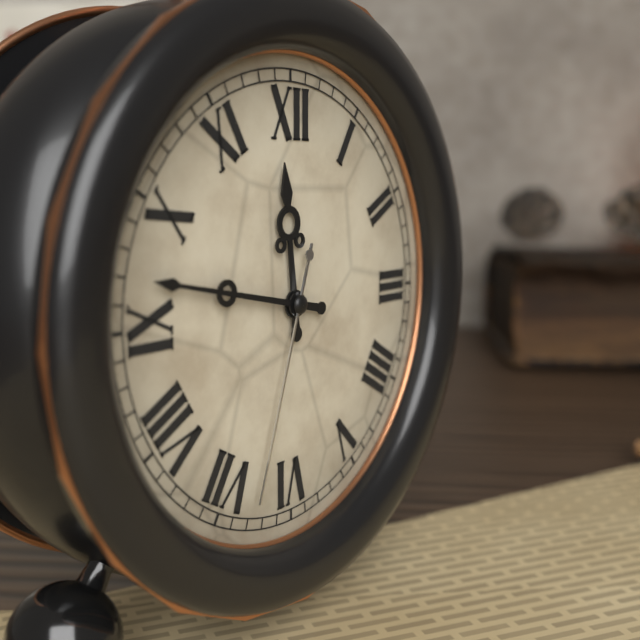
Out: 11,47,33
